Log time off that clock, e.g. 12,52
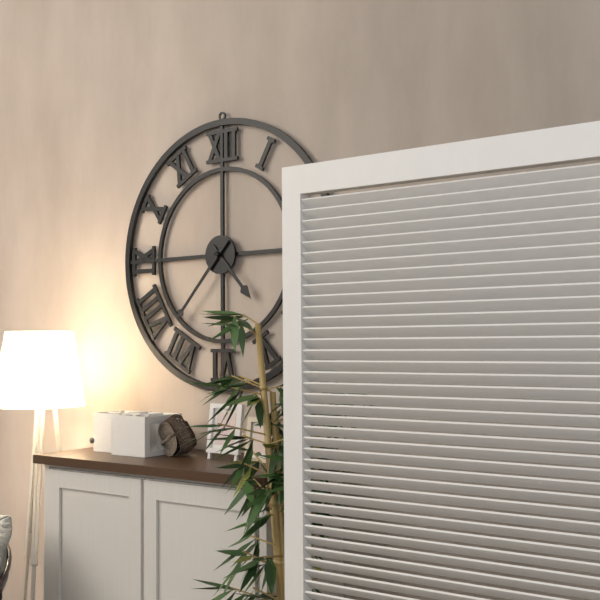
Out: 4,37
